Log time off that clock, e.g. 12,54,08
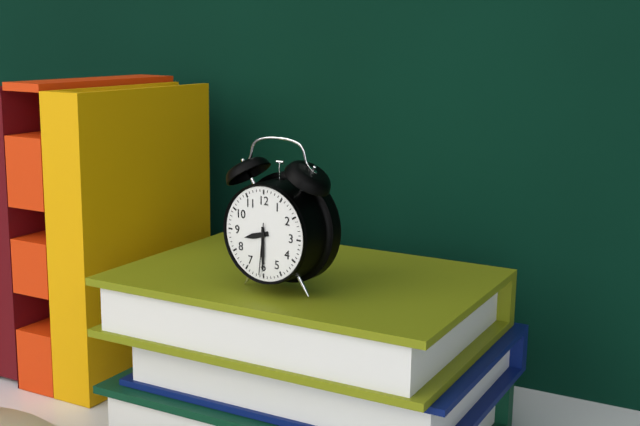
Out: 8,30,31
